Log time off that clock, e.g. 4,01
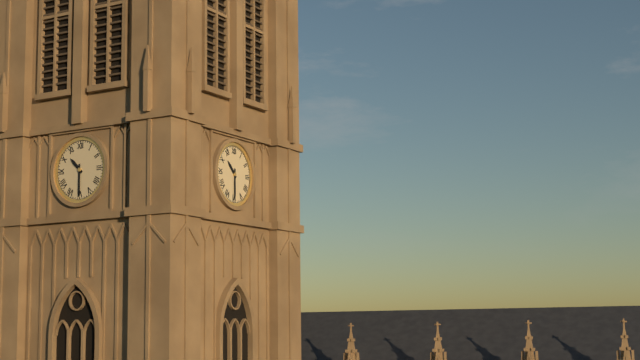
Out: 10,30
